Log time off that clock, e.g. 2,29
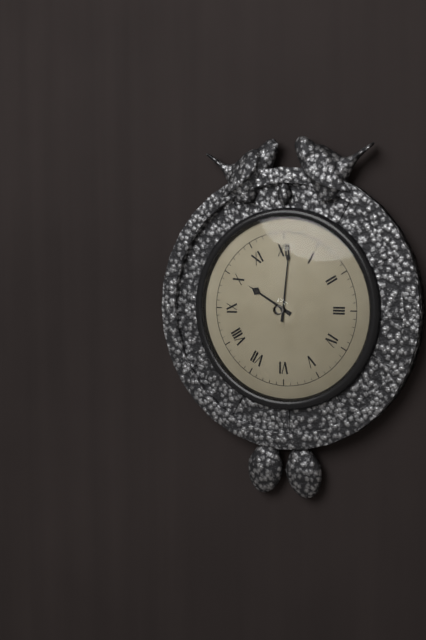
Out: 10,01
